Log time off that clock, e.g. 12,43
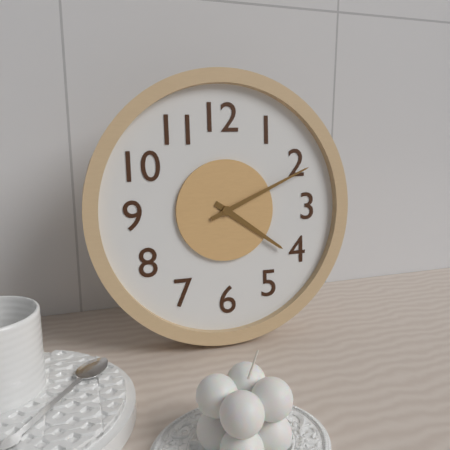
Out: 4,11
